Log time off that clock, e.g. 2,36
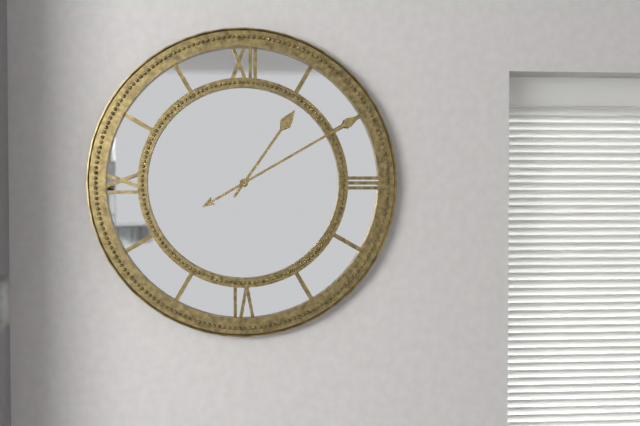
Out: 1,10
